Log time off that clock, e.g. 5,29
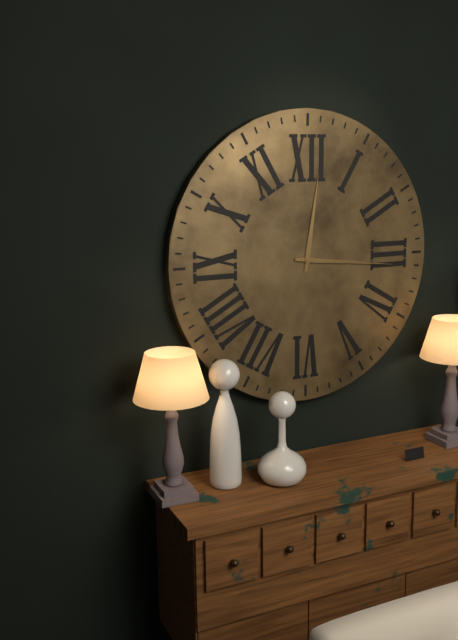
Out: 12,16
